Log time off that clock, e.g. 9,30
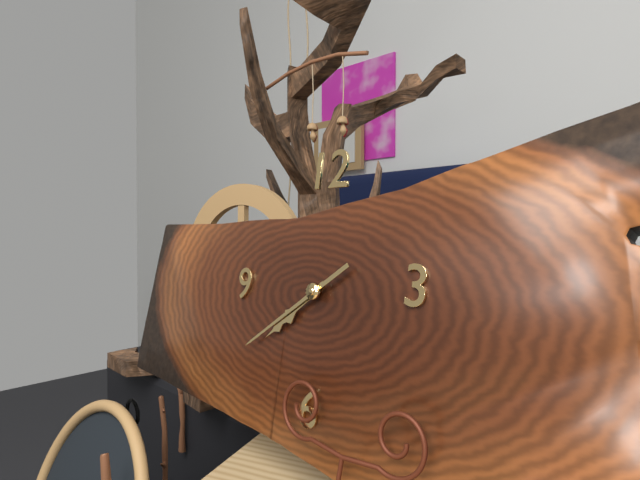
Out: 7,39
